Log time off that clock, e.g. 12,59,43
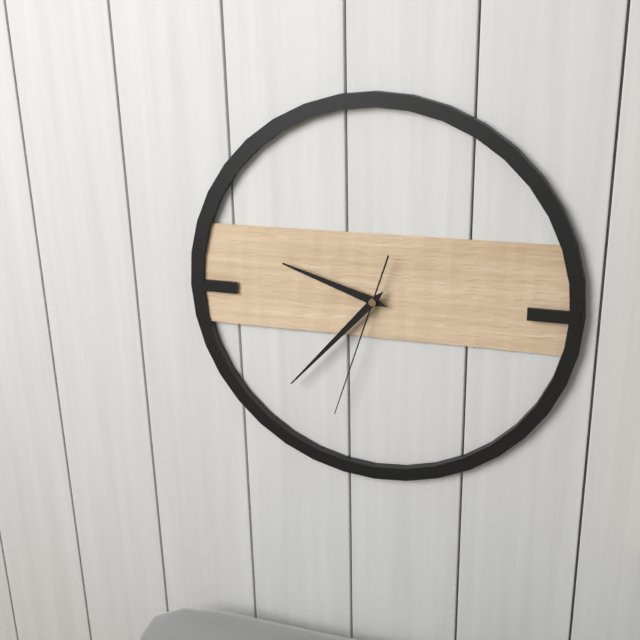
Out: 9,37,33
